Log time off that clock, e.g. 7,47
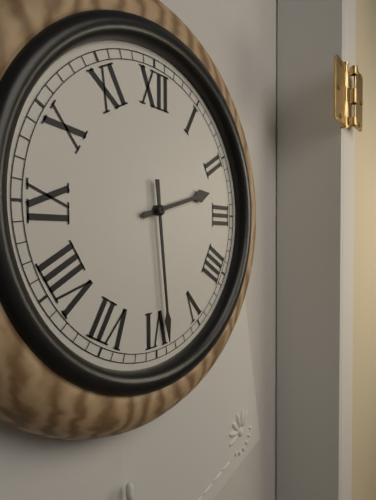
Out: 2,29
